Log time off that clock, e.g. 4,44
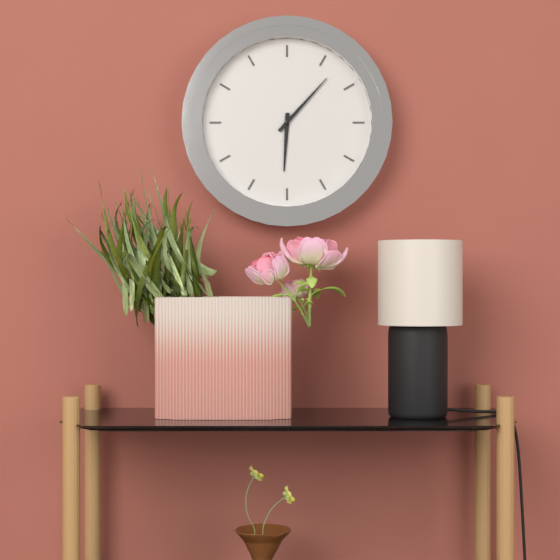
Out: 6,07
